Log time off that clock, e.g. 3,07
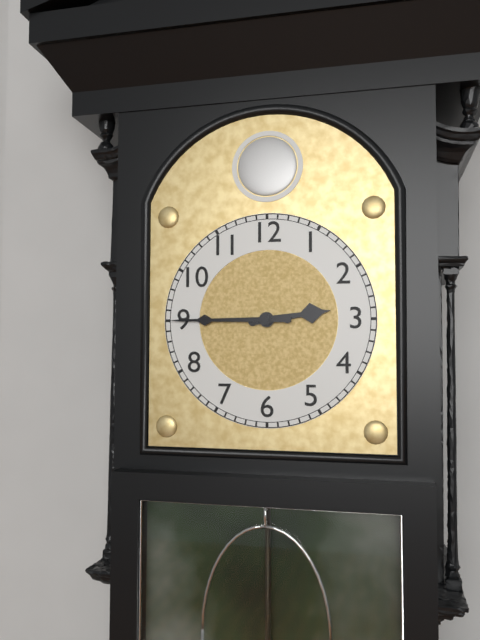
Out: 2,45
